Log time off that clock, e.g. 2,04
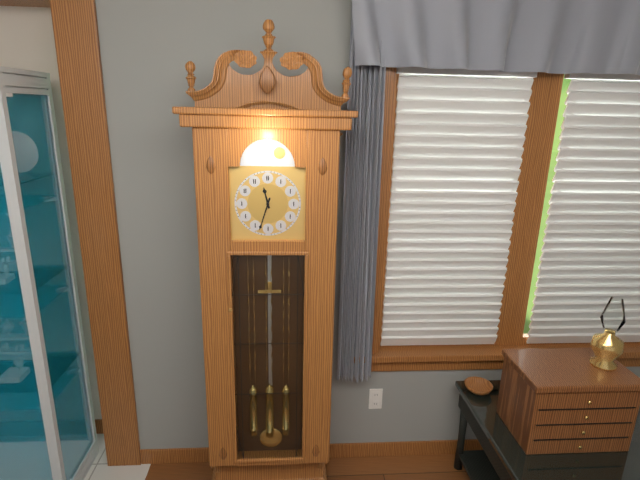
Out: 11,33
